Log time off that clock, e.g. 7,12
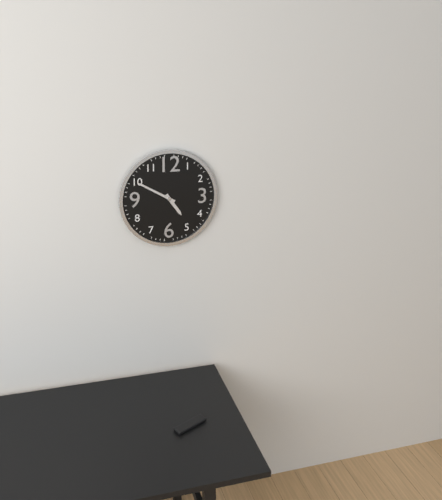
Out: 4,50
